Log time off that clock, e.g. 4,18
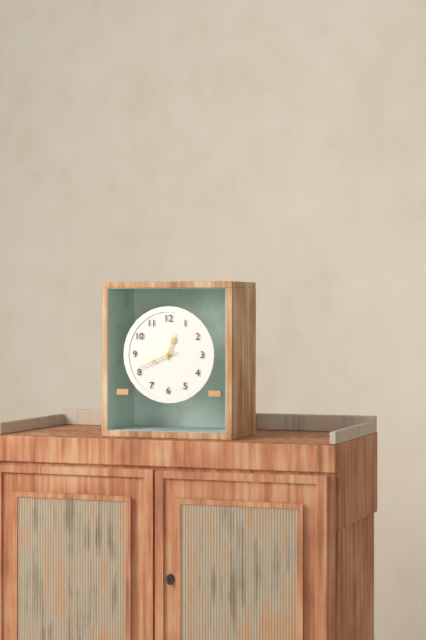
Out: 12,41
